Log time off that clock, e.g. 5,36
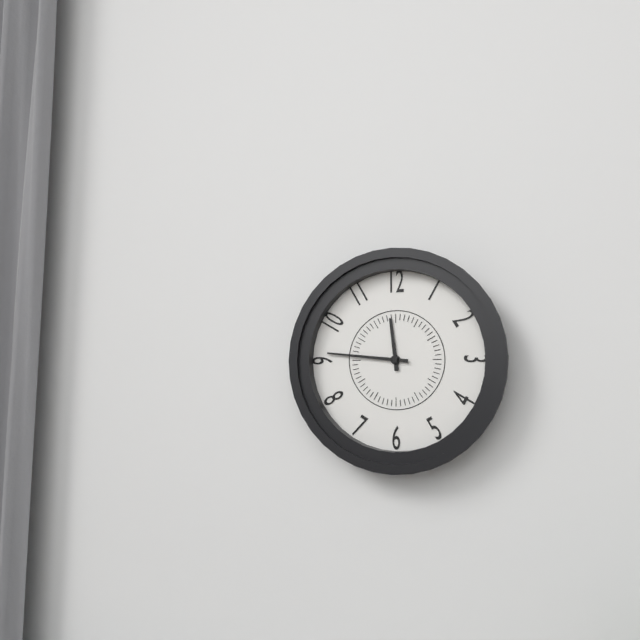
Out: 11,46
